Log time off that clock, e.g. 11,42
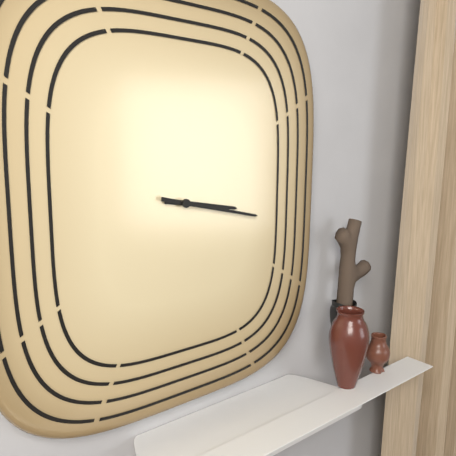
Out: 3,17
